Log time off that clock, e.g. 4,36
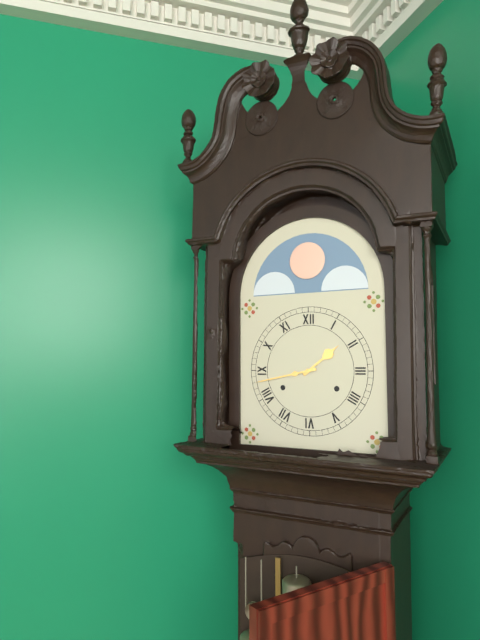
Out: 1,43
